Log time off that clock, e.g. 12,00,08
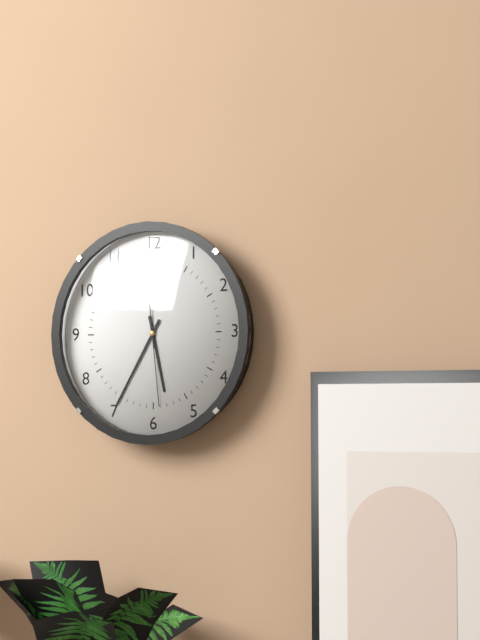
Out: 5,35,29
